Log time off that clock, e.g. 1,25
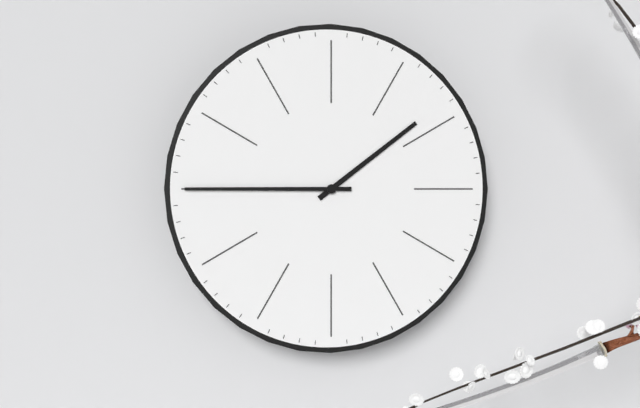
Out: 1,45
